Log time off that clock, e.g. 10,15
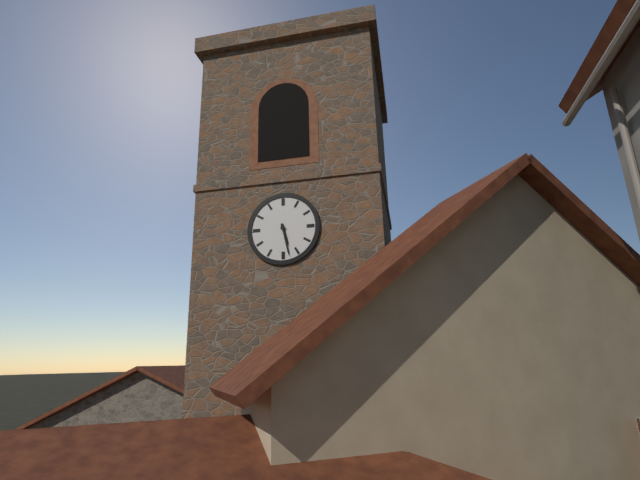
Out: 5,28
